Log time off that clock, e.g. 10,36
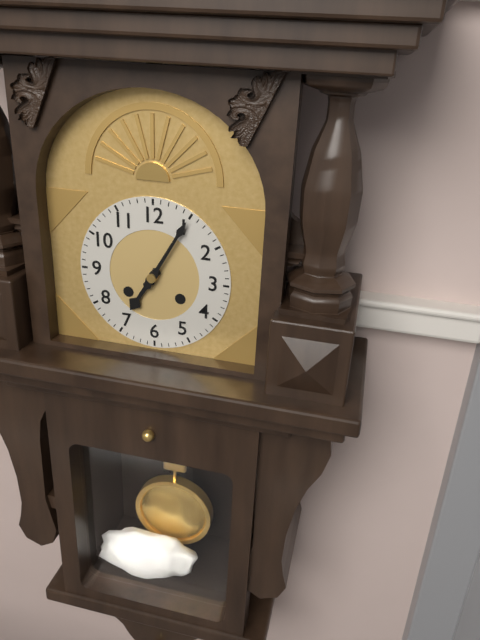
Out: 7,05
